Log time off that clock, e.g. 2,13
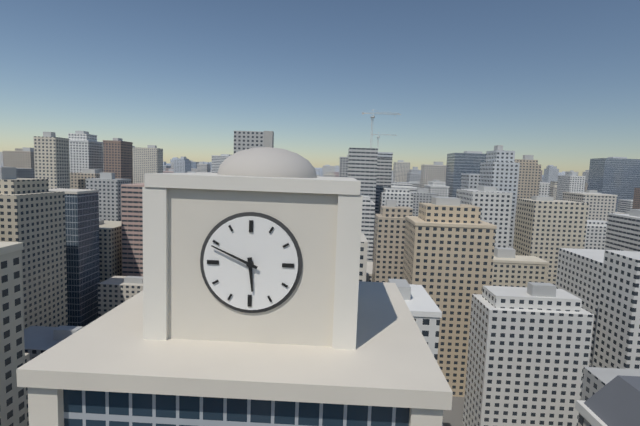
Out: 5,49
